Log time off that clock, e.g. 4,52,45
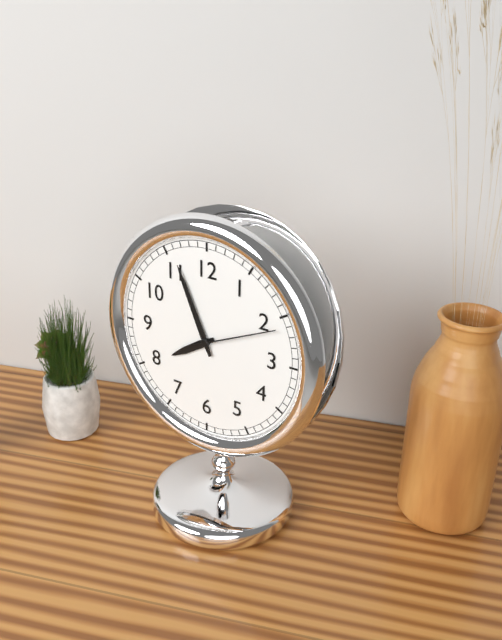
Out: 7,56,11
